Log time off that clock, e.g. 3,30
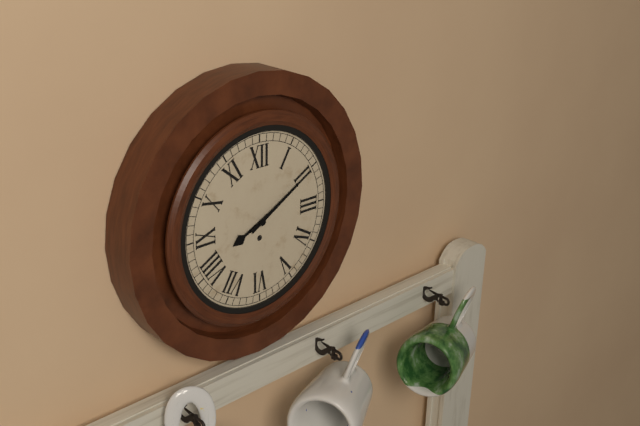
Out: 8,10
